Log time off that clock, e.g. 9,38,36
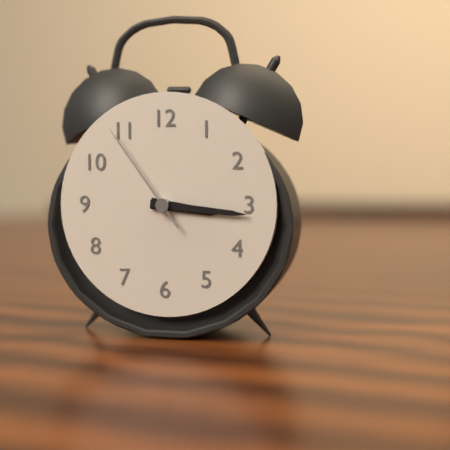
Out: 3,16,54
